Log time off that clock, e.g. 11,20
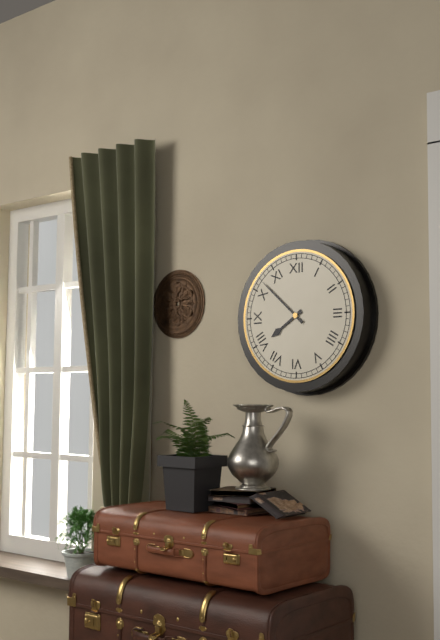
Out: 7,52
